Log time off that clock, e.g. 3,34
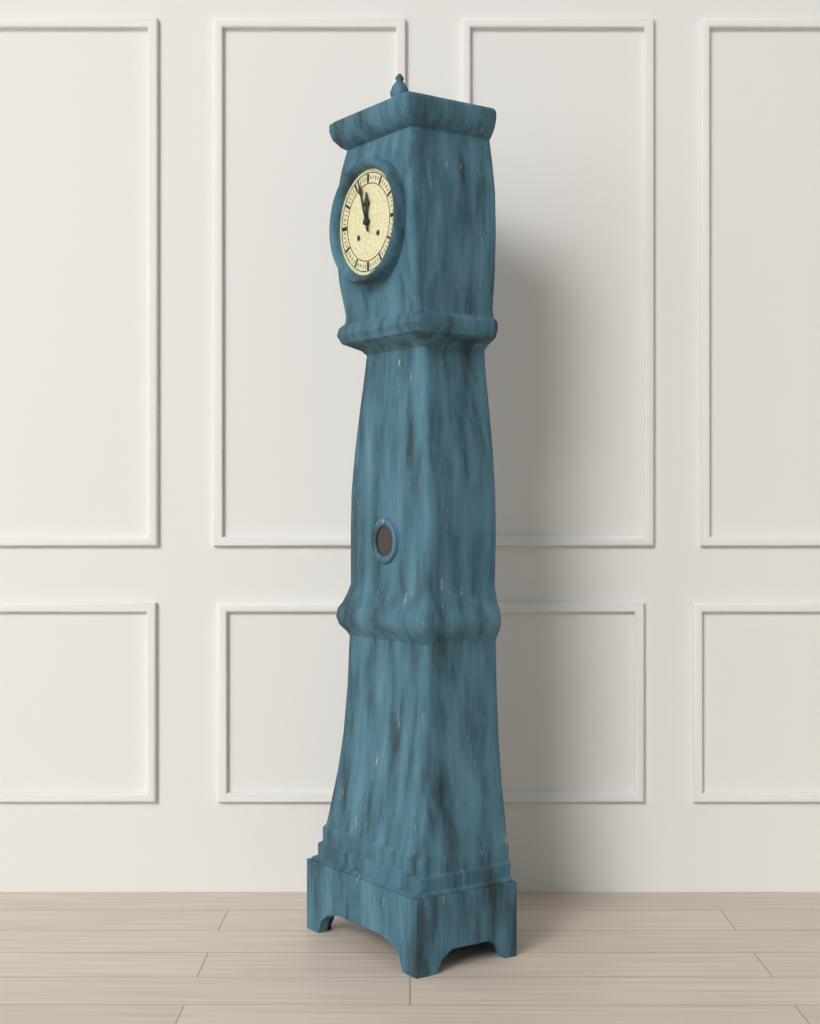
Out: 11,57
